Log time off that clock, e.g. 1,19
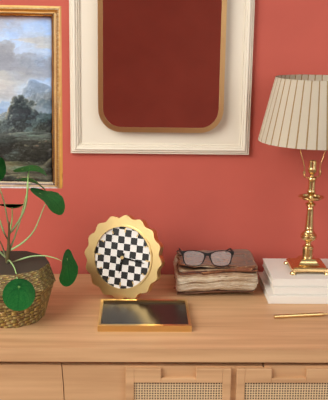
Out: 6,16
